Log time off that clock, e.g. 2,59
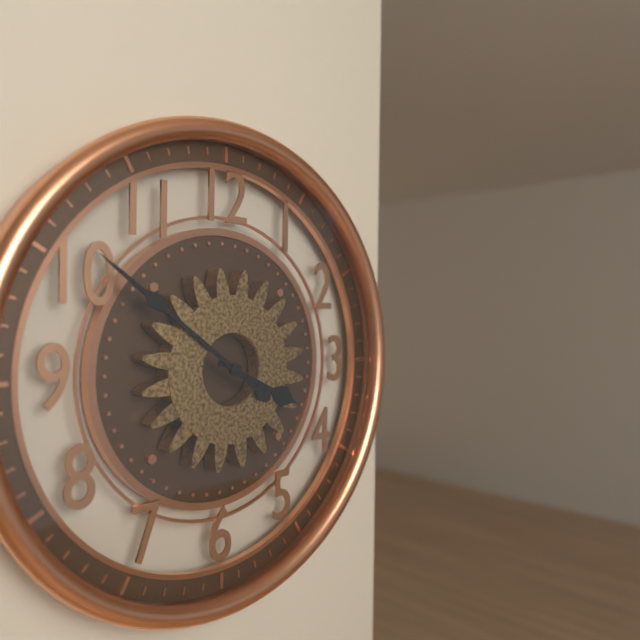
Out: 3,51
